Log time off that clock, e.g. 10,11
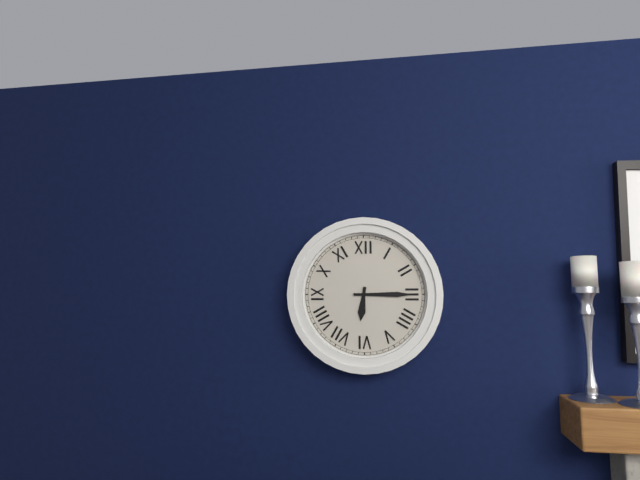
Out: 6,15
